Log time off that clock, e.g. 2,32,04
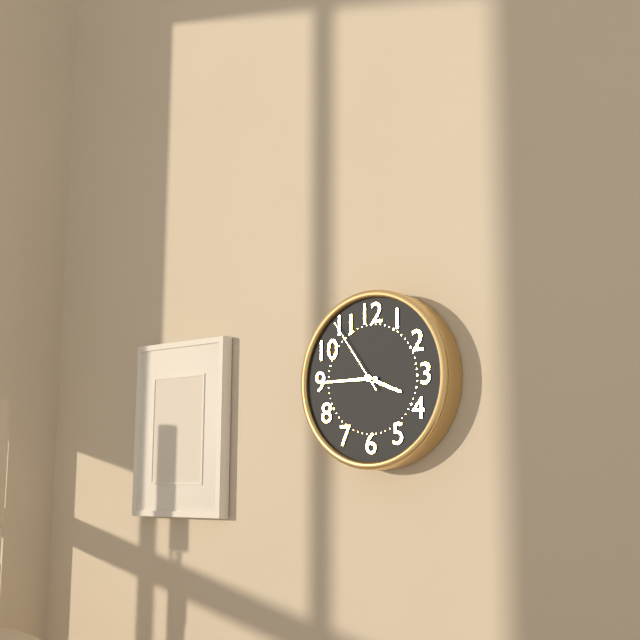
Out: 3,45,54
